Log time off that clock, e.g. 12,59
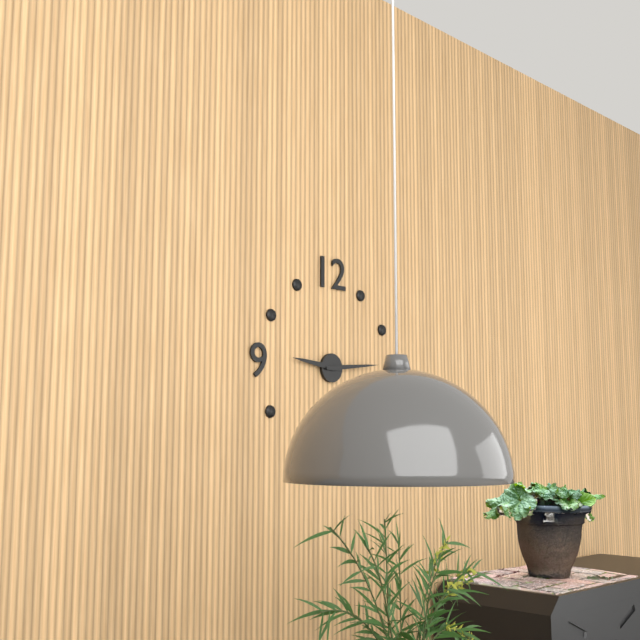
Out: 9,14
